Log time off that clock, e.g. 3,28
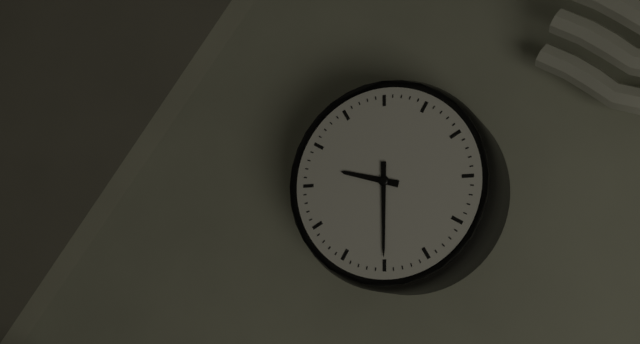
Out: 9,30
